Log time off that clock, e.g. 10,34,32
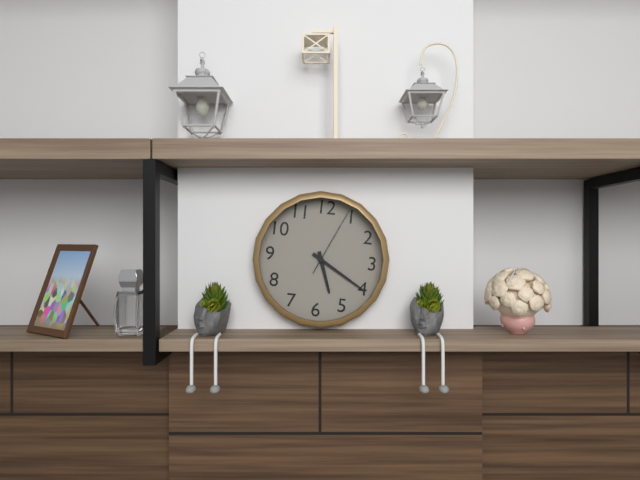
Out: 5,20,04
